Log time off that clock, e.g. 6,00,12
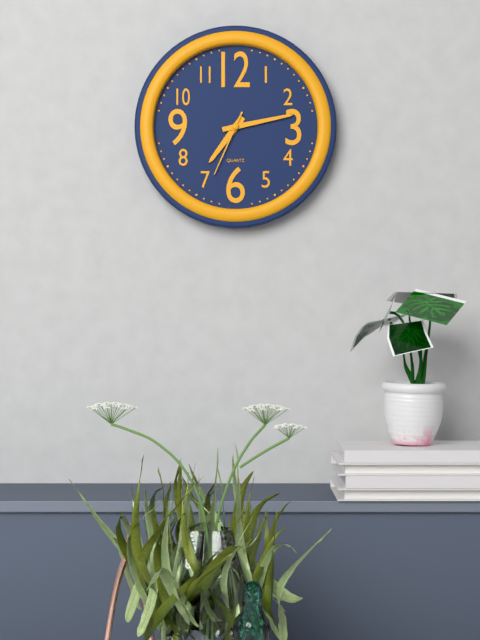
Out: 7,13,34
